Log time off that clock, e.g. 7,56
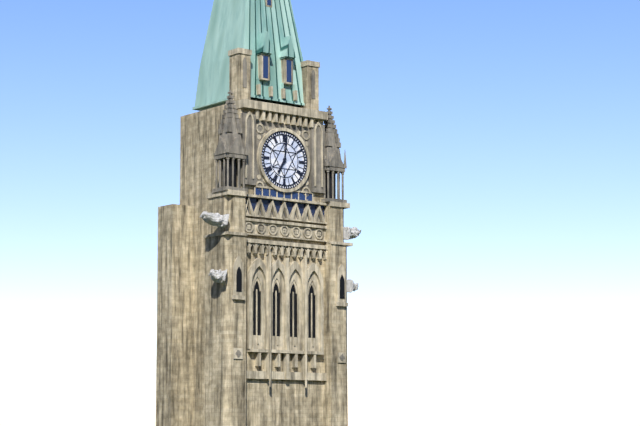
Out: 7,01
